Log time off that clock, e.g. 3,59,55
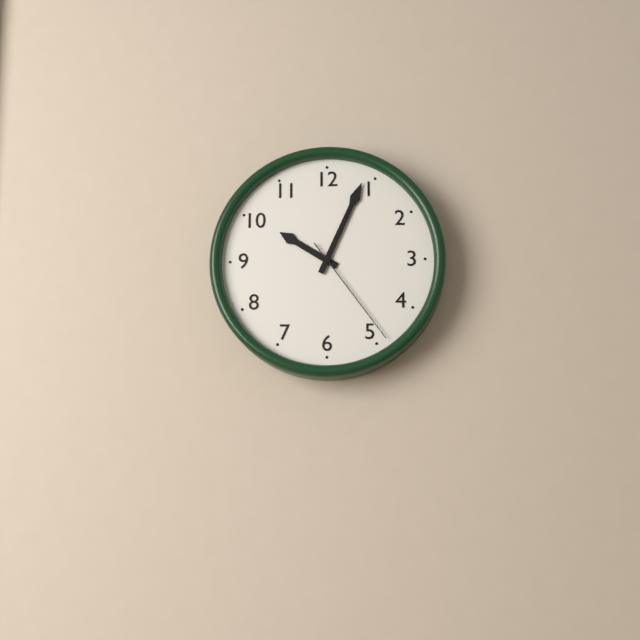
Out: 10,04,24
